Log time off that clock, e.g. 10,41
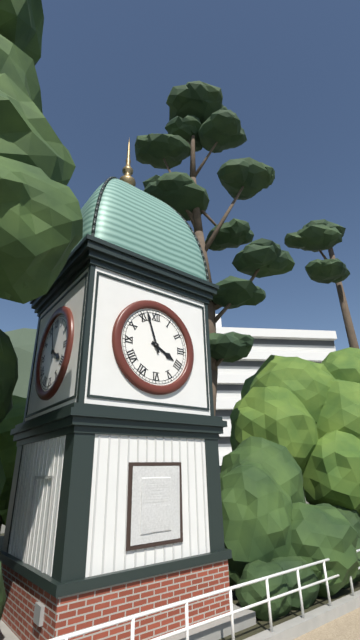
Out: 3,57
